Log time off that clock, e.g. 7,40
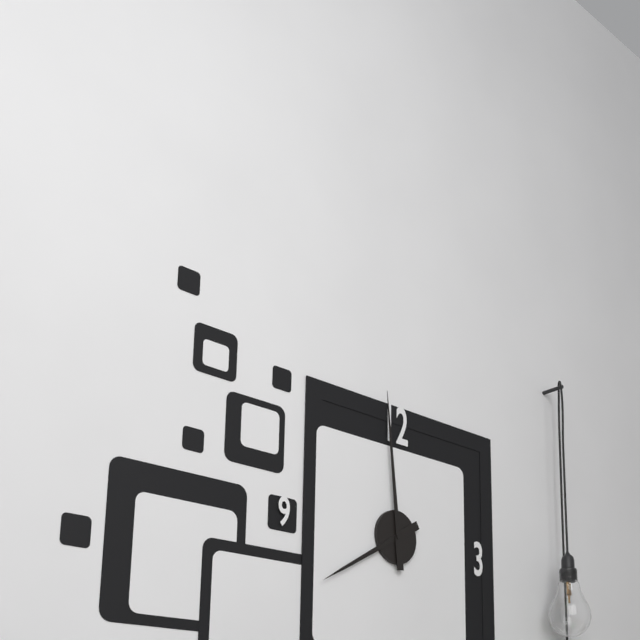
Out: 7,59
